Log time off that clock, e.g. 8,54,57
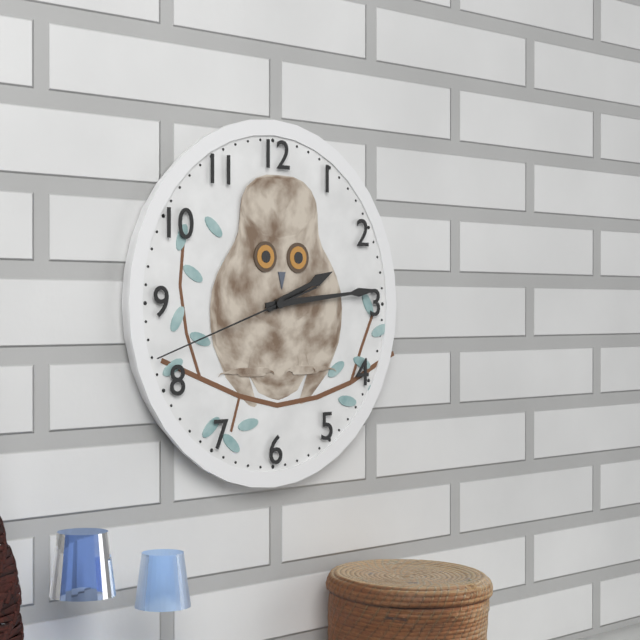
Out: 2,14,42
